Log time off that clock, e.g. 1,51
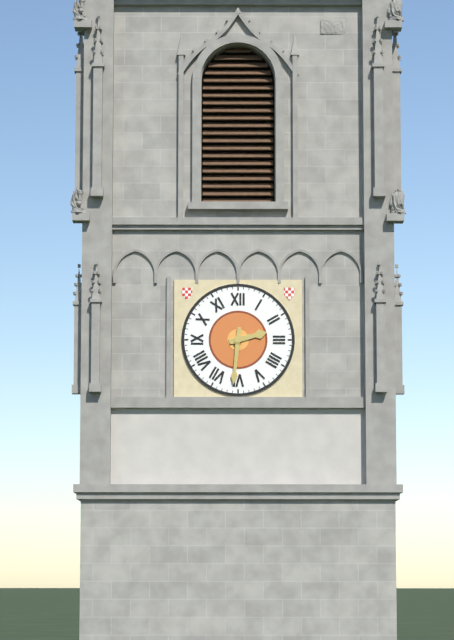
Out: 2,31
